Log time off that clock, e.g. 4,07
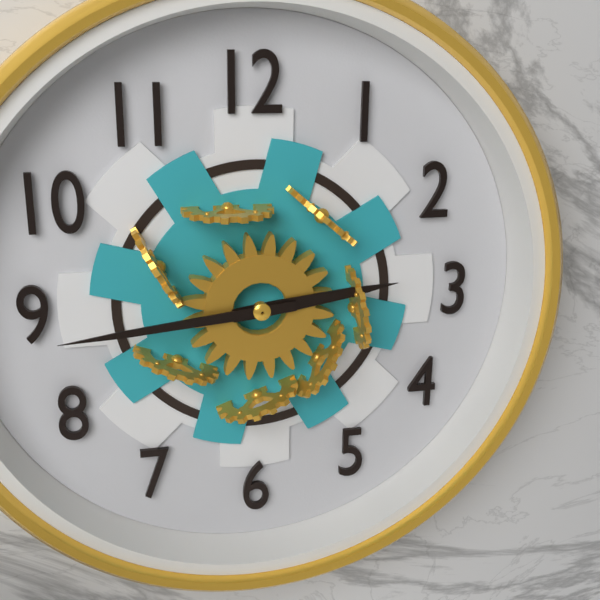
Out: 2,44
